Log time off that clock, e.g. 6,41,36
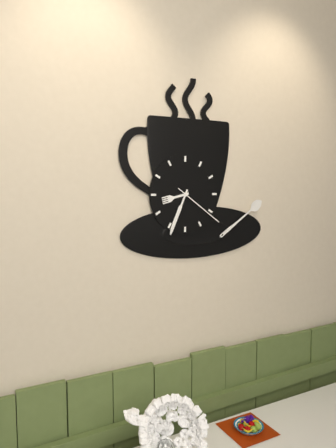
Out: 8,34,21
